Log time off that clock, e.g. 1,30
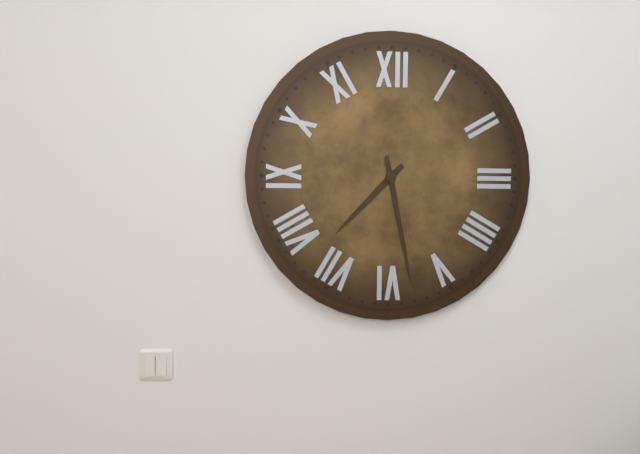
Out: 7,28
